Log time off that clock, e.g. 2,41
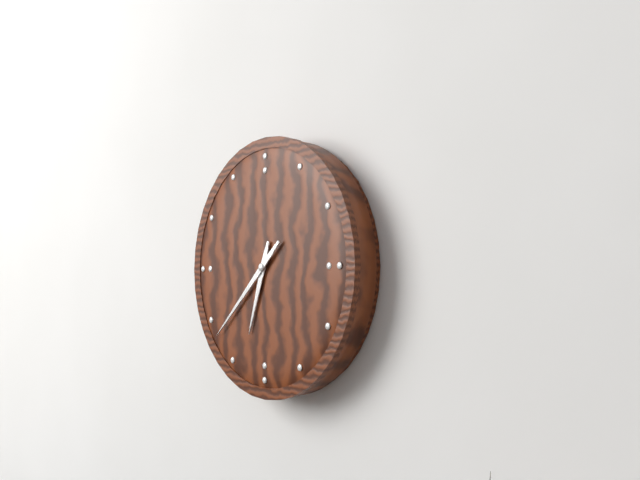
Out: 6,38
